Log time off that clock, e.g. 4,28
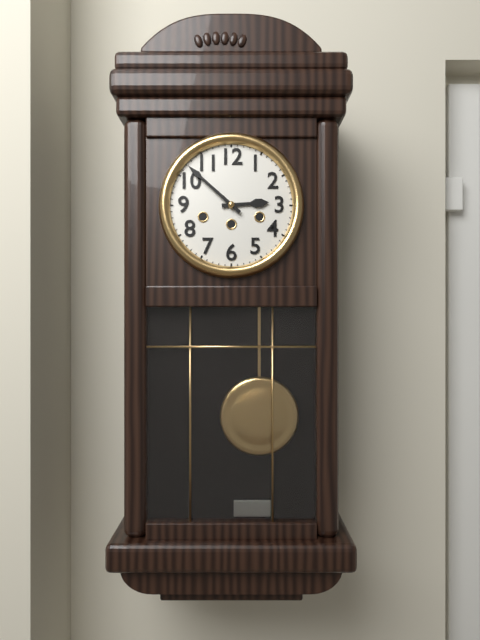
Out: 2,52
